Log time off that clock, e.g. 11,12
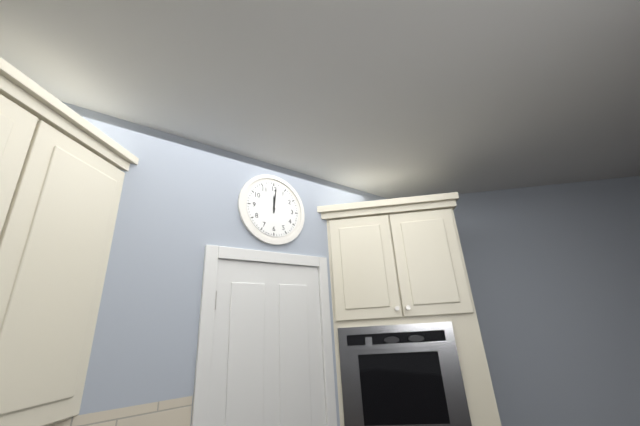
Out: 12,01
